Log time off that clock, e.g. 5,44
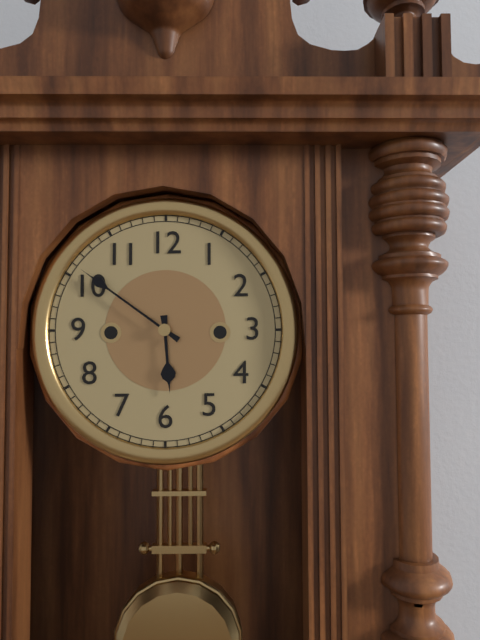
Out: 5,51
